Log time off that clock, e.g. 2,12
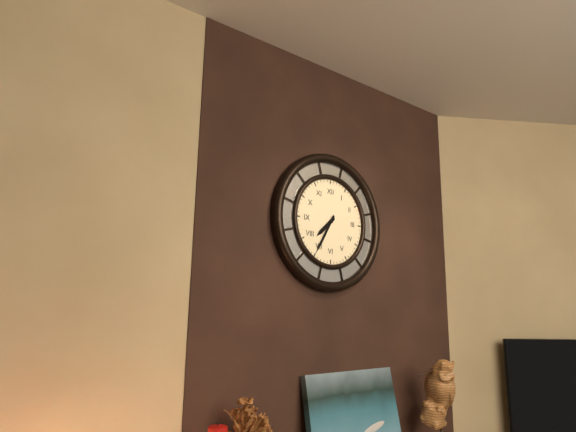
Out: 7,35
